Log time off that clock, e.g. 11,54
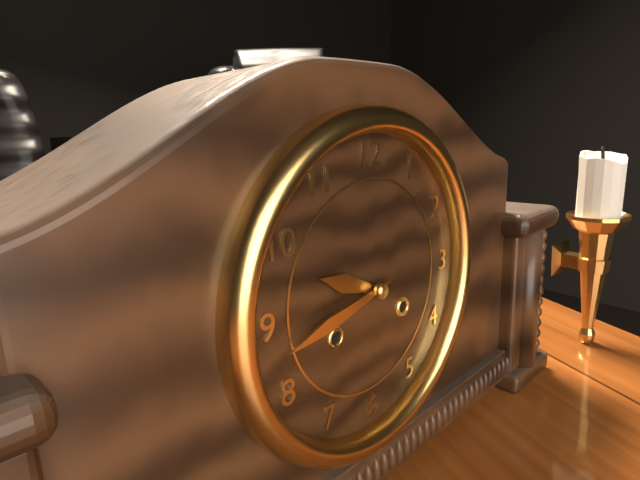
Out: 9,43
